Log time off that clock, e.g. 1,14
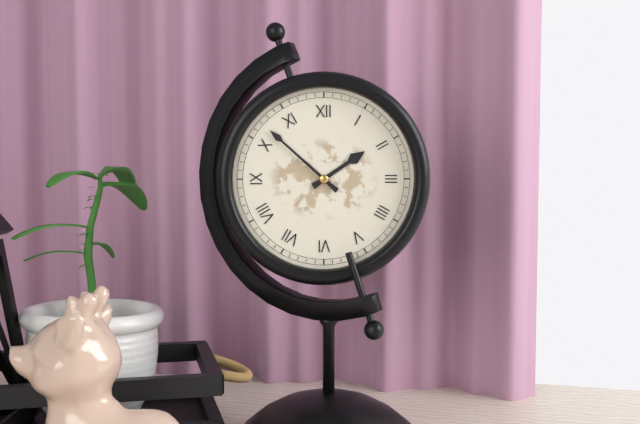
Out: 1,52
